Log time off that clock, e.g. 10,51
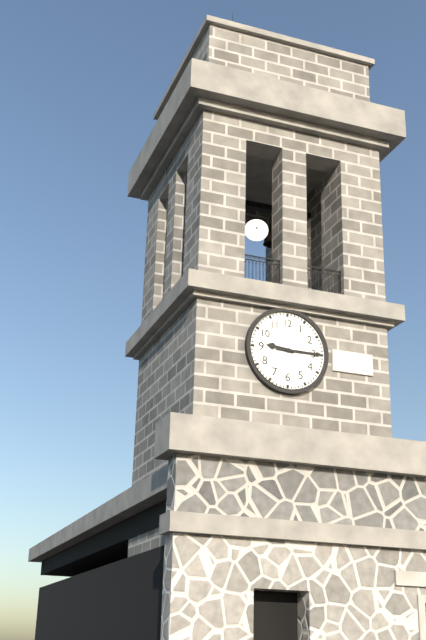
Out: 9,15
